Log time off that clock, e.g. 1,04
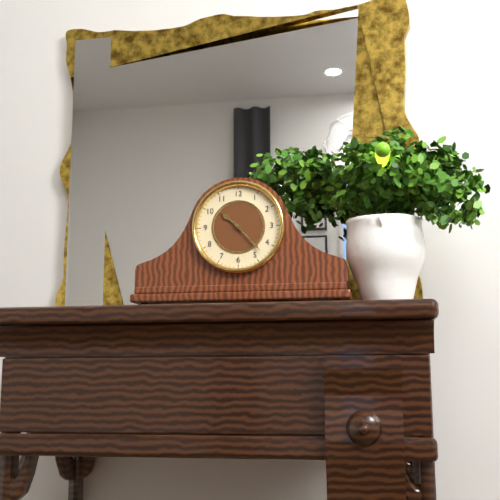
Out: 10,23
